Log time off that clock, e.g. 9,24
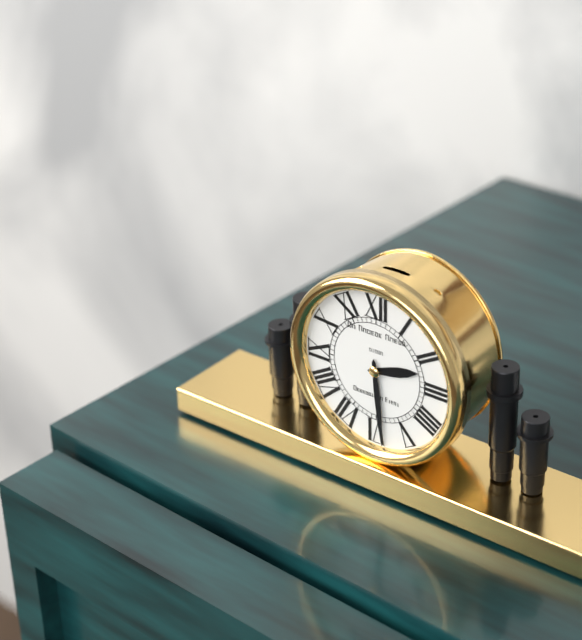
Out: 2,29
